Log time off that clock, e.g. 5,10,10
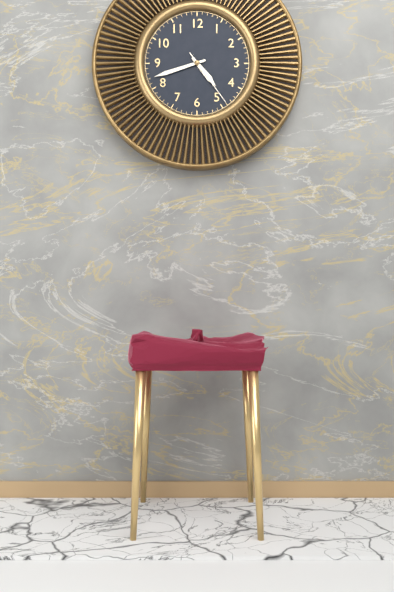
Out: 4,42,24
